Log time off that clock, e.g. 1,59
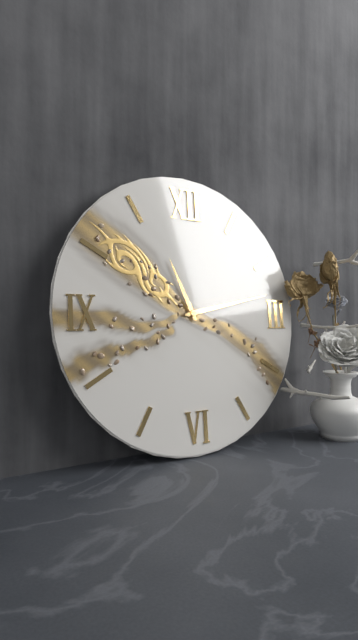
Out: 11,13
